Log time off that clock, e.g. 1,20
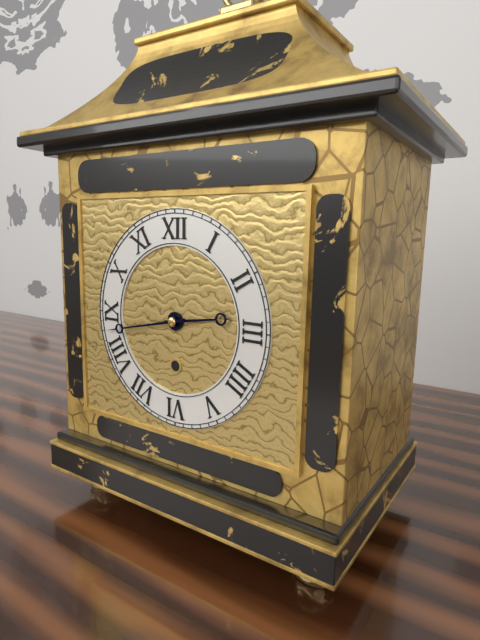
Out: 2,43
